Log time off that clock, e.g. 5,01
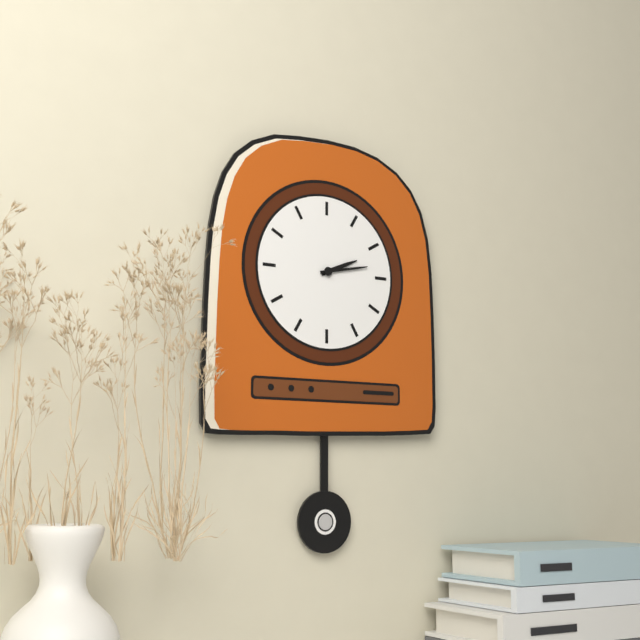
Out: 2,13
